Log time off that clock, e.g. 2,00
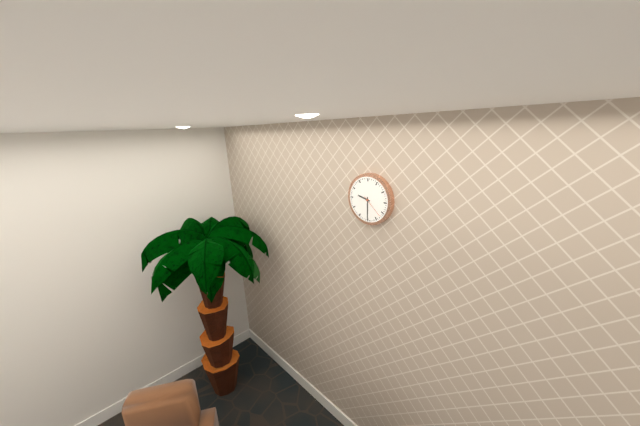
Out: 9,30
